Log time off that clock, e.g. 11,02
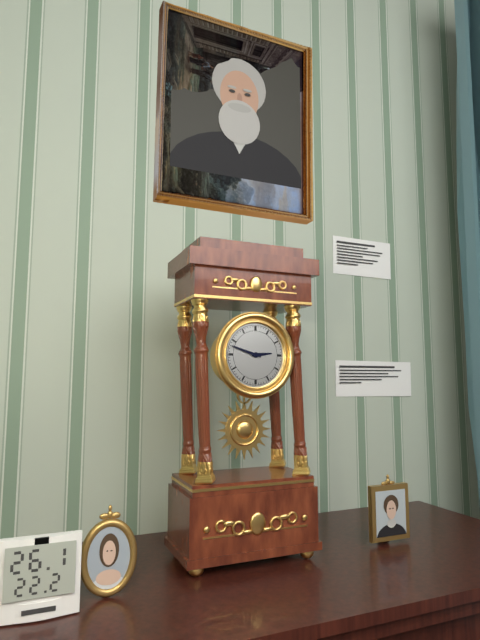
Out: 2,48
